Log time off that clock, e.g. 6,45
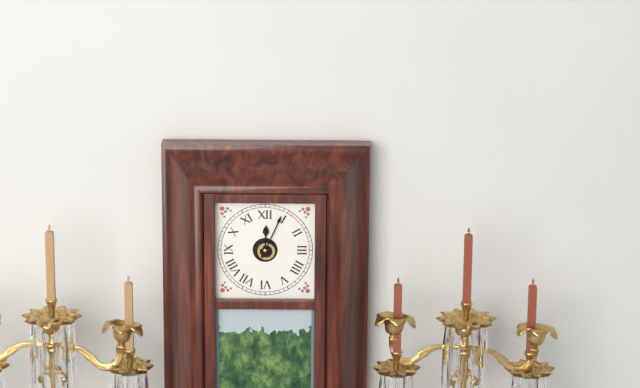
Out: 12,04
